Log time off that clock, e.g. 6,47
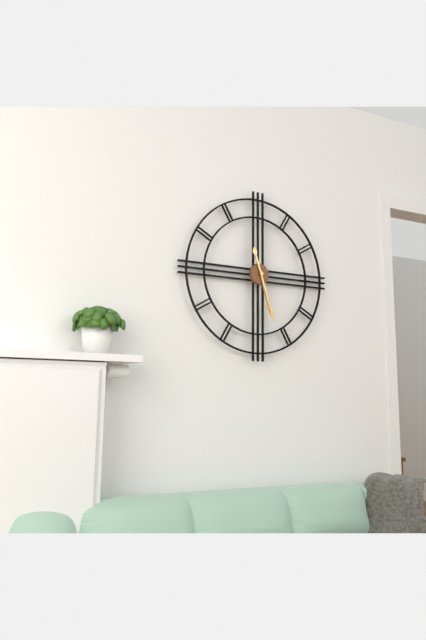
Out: 5,27
